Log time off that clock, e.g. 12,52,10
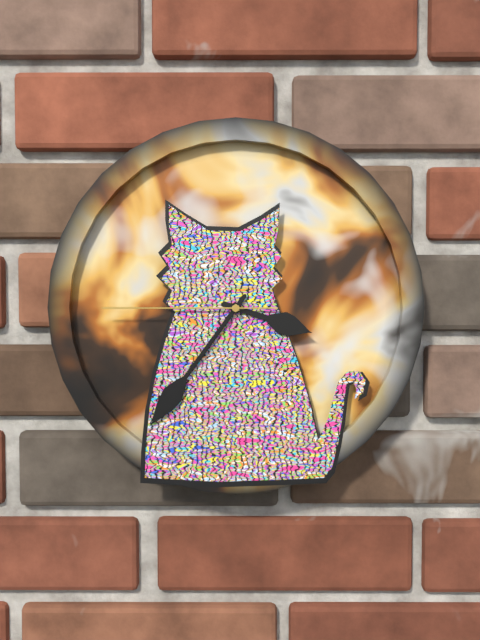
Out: 3,36,45
